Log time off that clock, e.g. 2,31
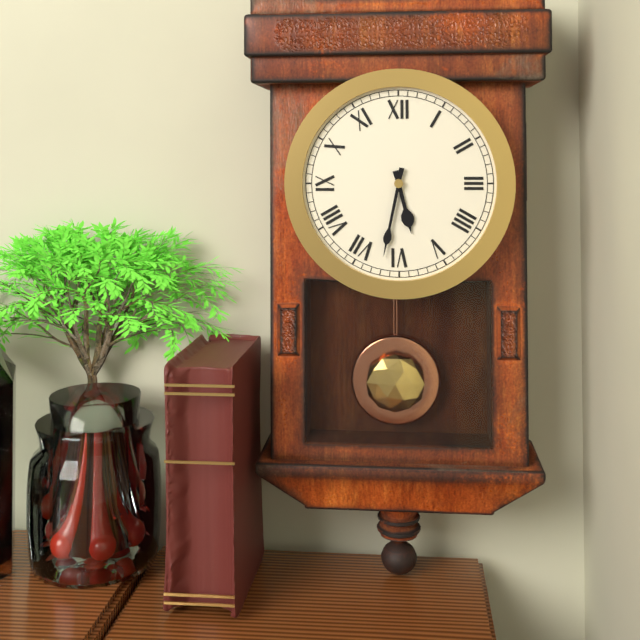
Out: 5,32
